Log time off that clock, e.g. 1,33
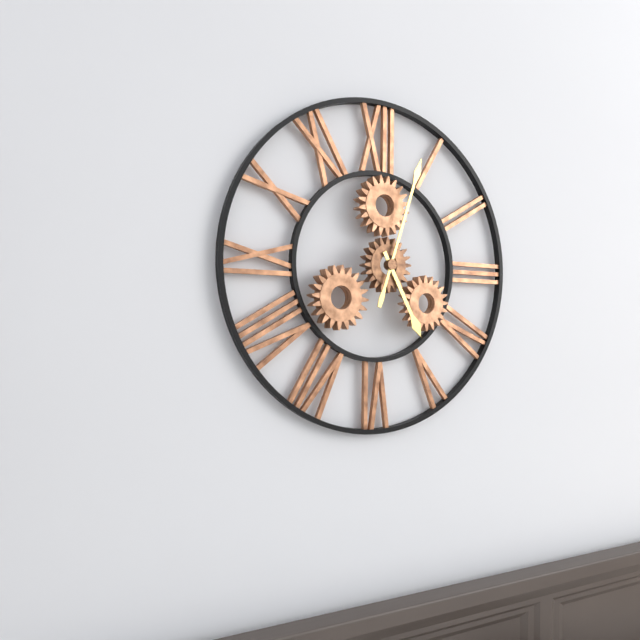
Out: 5,03
